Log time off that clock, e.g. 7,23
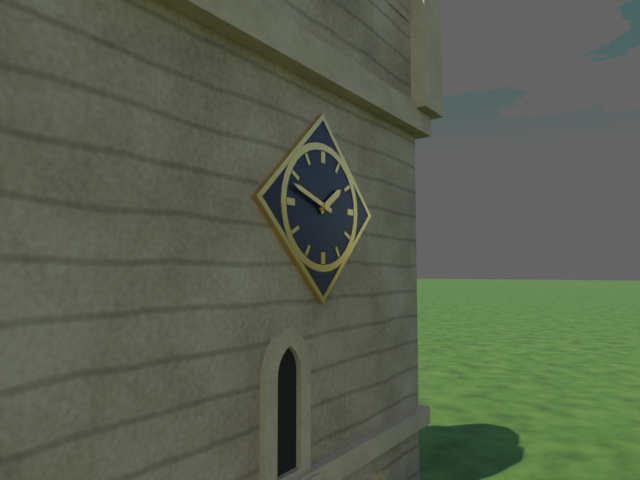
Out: 1,48
